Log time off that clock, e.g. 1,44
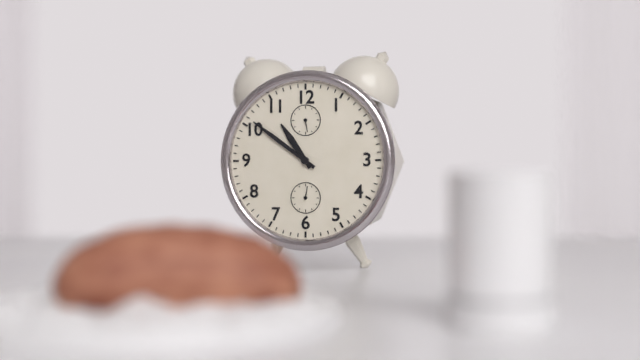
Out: 10,51
